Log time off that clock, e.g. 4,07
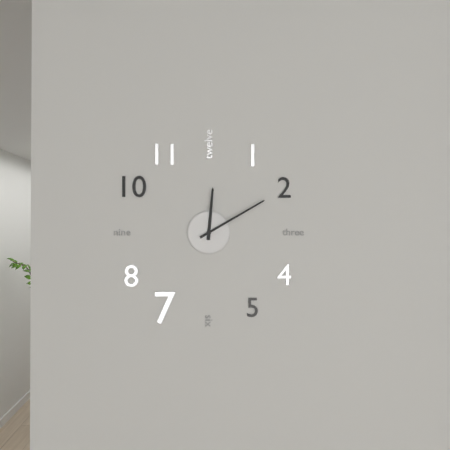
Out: 12,10
